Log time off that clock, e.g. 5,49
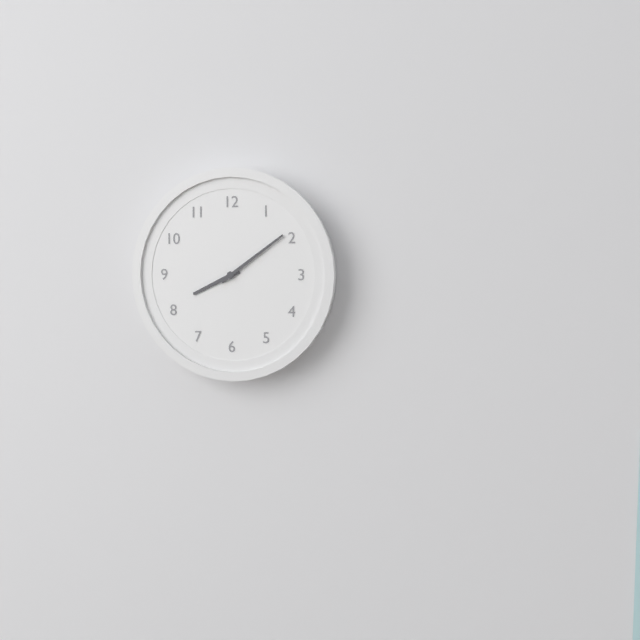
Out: 8,09
